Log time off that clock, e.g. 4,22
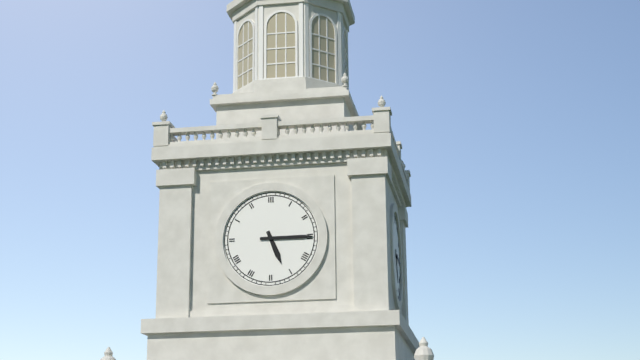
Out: 5,15
